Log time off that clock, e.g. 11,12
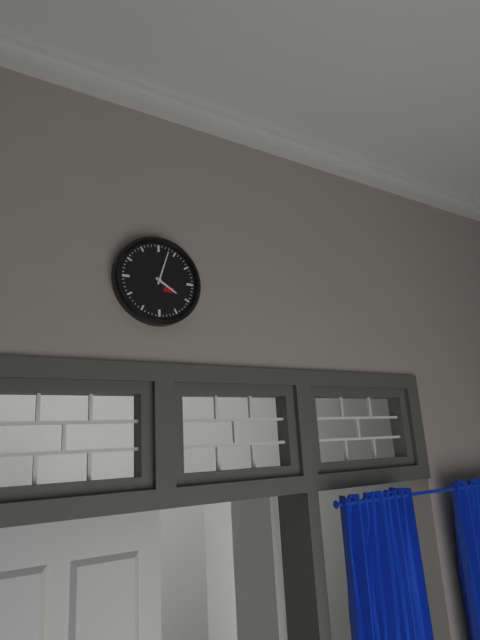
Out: 4,03
